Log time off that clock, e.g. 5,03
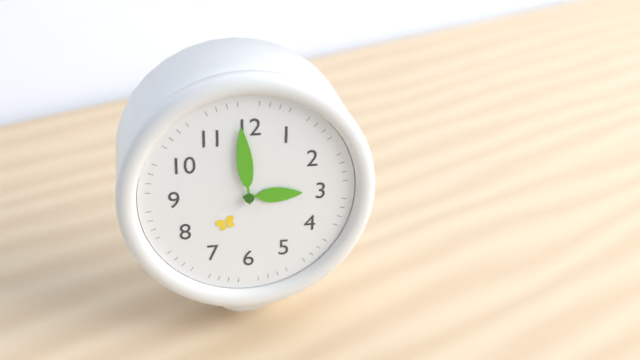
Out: 2,59
